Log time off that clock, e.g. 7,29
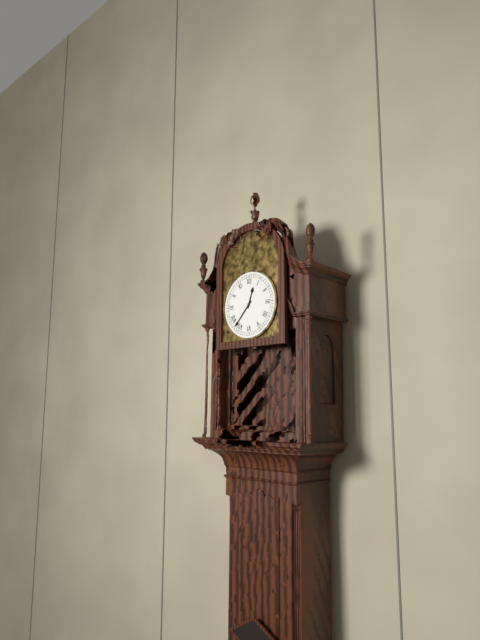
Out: 12,37
